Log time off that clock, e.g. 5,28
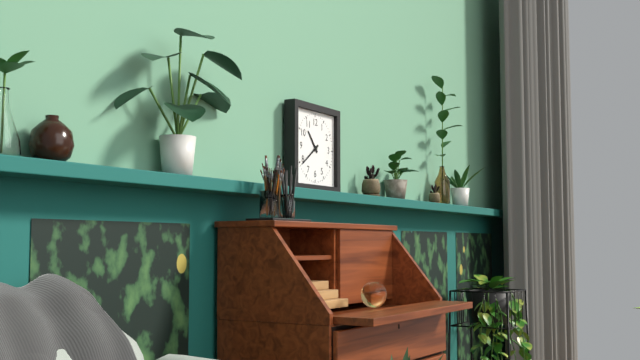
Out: 10,39
